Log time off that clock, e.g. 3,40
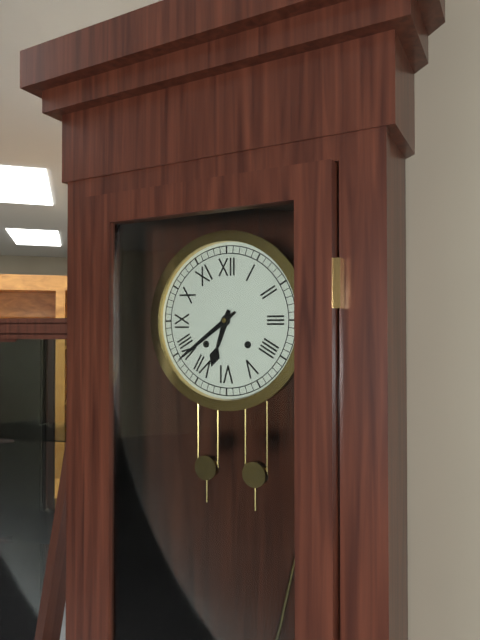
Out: 6,39
